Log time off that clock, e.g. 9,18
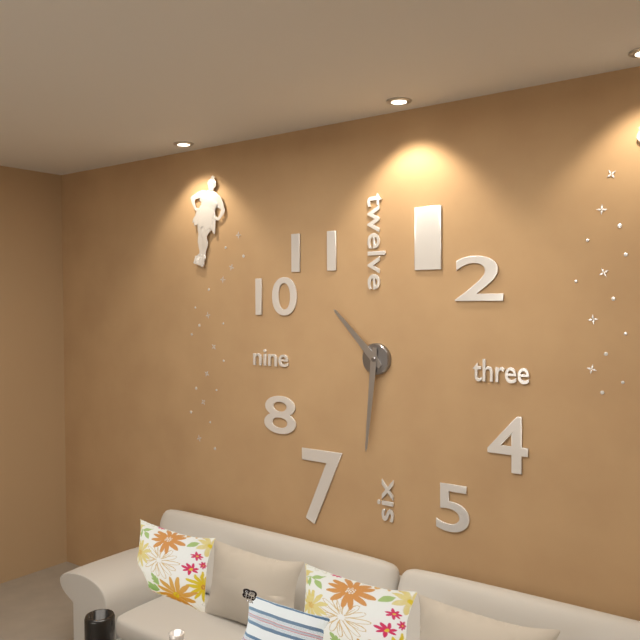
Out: 10,31
